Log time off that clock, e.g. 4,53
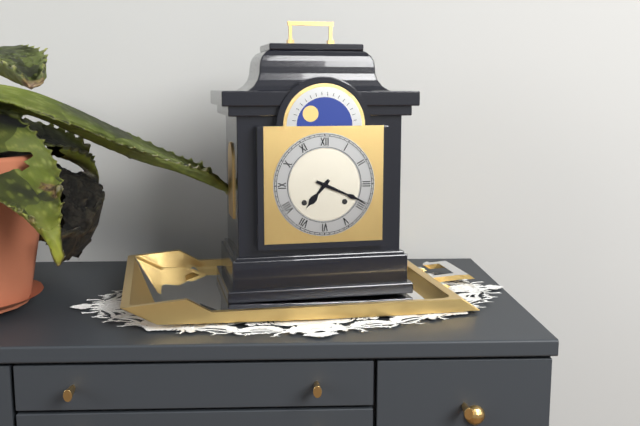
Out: 7,19
